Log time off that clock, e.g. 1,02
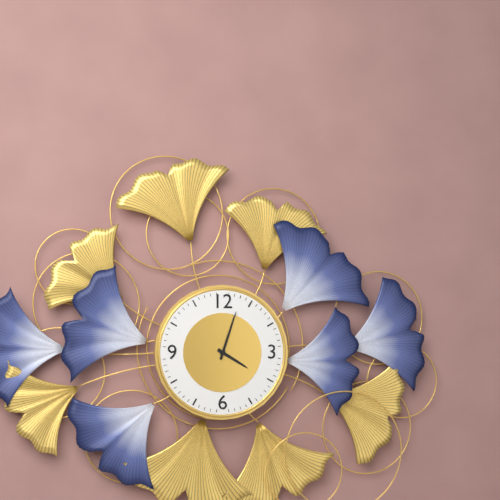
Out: 4,03
